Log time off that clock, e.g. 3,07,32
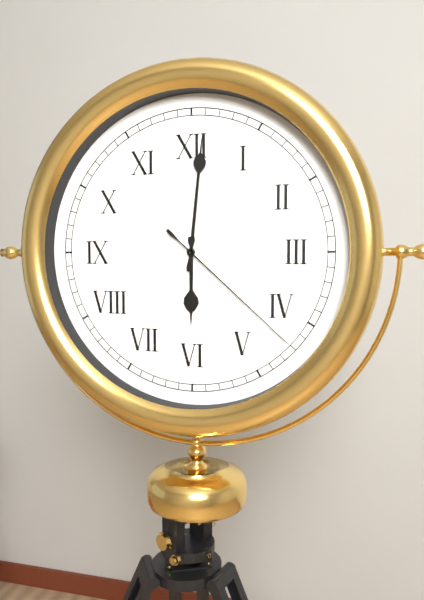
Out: 6,01,22
